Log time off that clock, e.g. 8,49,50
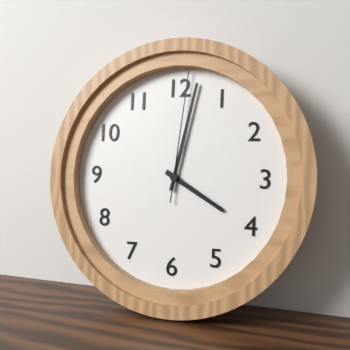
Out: 4,02,01
